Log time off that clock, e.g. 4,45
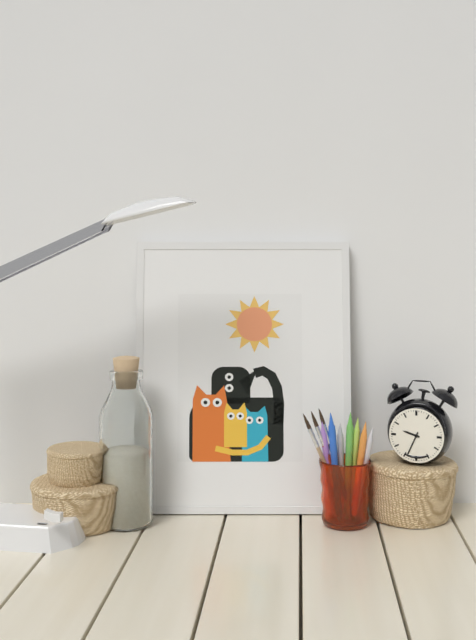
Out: 9,34
